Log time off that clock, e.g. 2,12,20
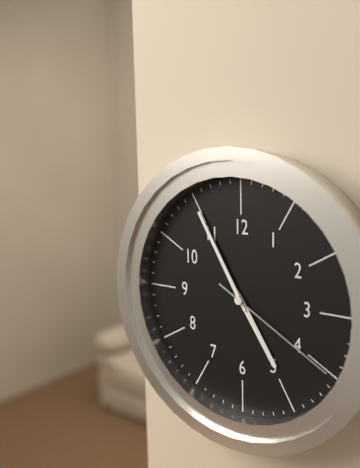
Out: 4,55,20
